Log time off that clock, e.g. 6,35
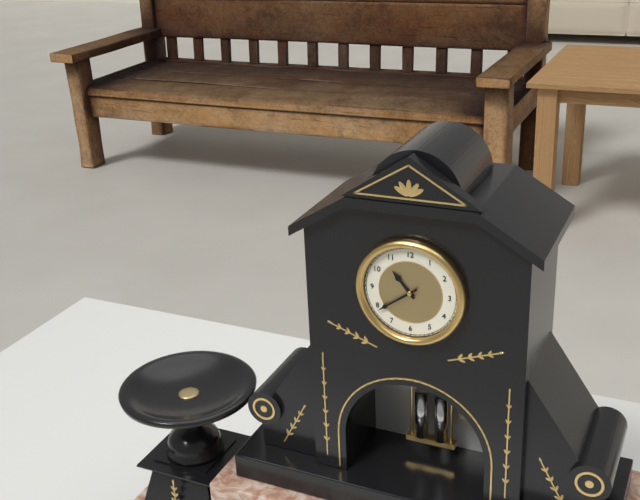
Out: 10,39
